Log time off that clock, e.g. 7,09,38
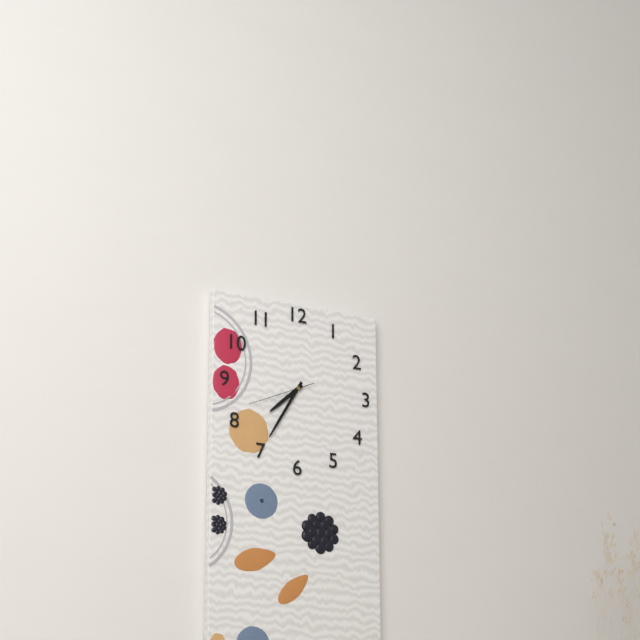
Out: 7,35,41
